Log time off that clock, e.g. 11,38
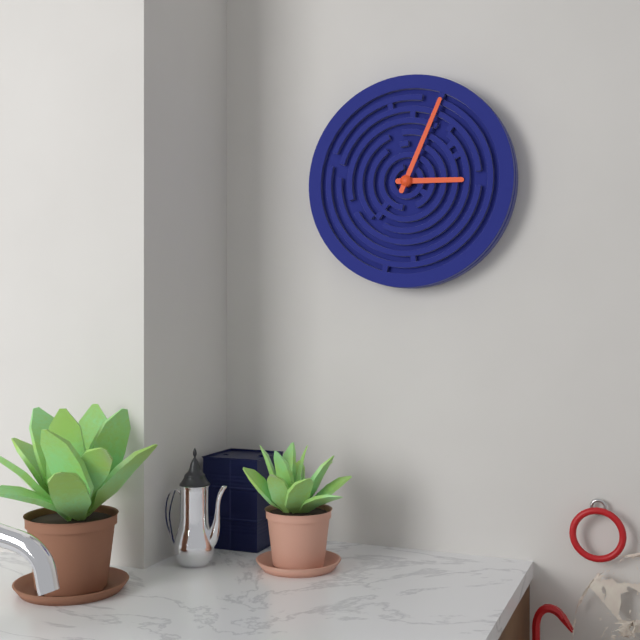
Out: 3,04
